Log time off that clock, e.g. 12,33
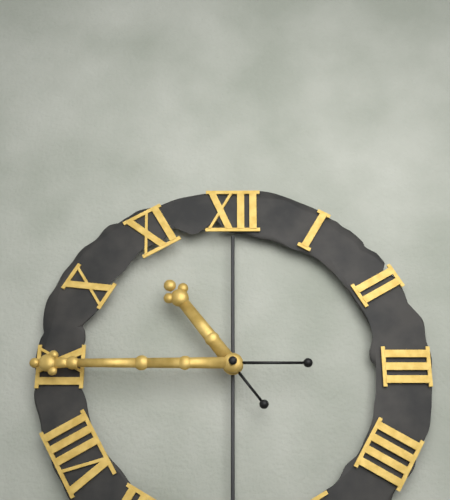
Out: 10,45
